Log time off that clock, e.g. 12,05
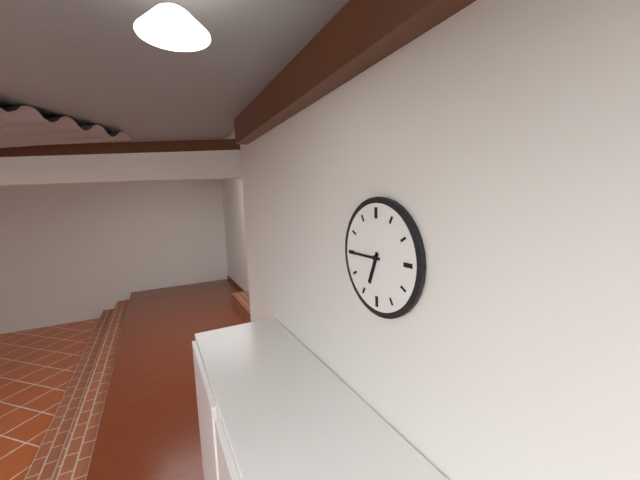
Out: 6,45
